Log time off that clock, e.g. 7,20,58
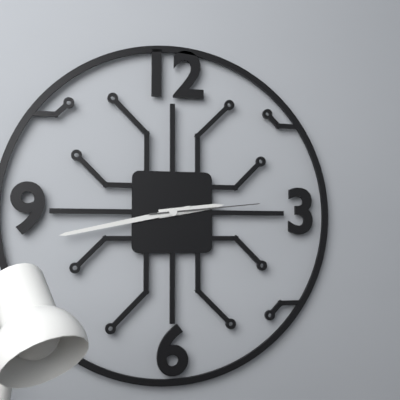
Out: 2,43,14
